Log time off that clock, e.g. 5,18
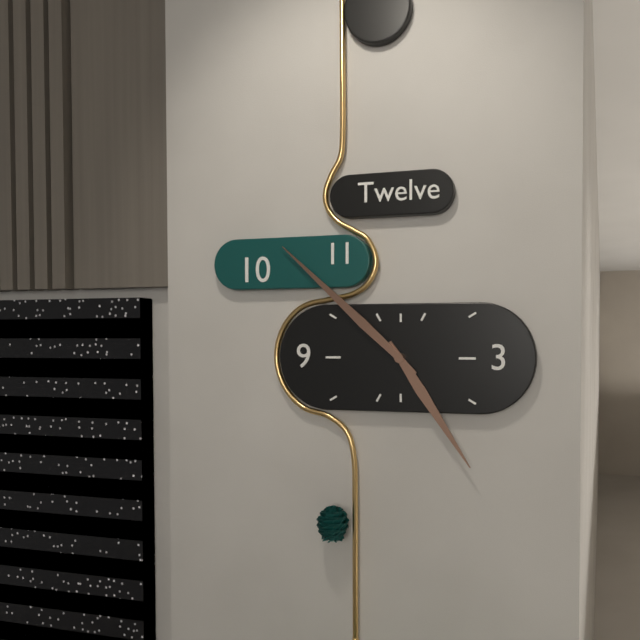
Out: 4,52
